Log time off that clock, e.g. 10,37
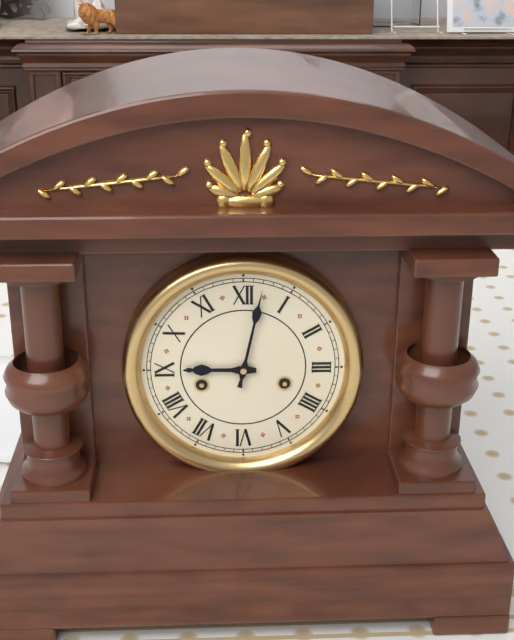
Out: 9,02
